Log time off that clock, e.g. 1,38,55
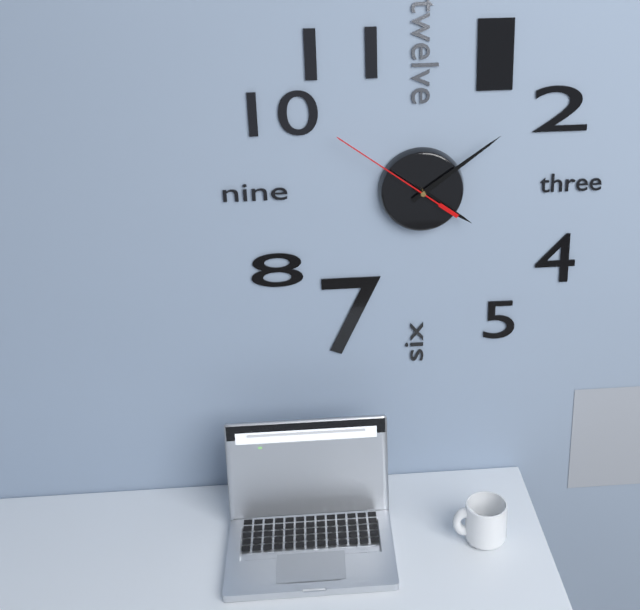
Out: 4,09,51
